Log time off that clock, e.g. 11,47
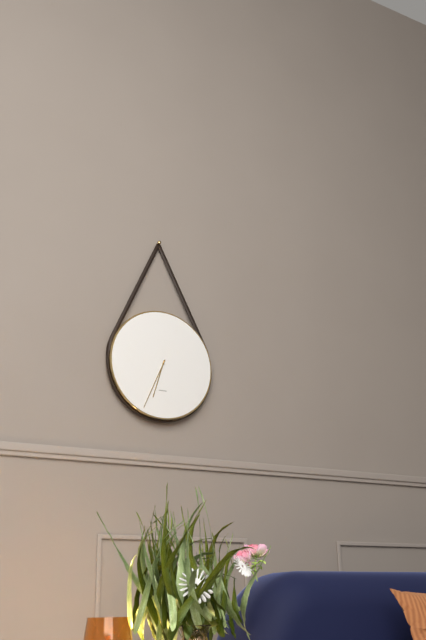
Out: 6,34
